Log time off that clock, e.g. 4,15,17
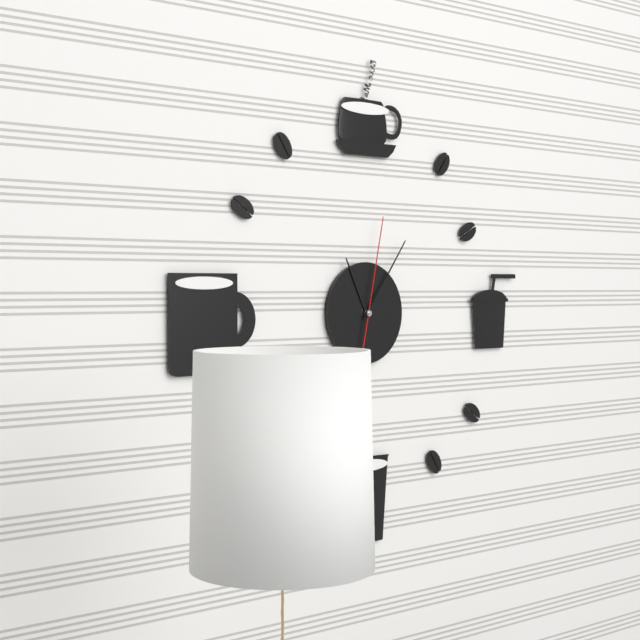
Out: 11,06,02
